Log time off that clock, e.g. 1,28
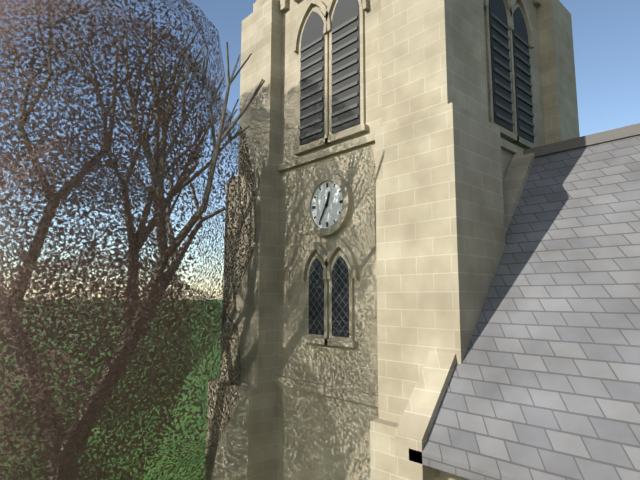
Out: 12,35
